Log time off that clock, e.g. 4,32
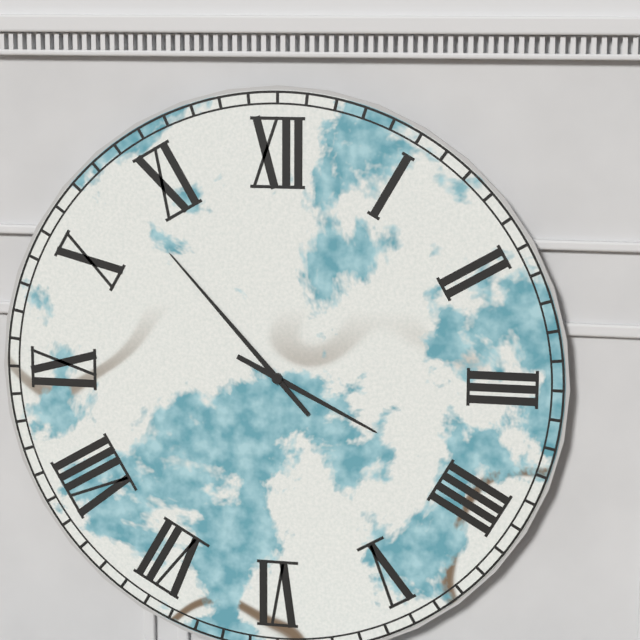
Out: 3,53
